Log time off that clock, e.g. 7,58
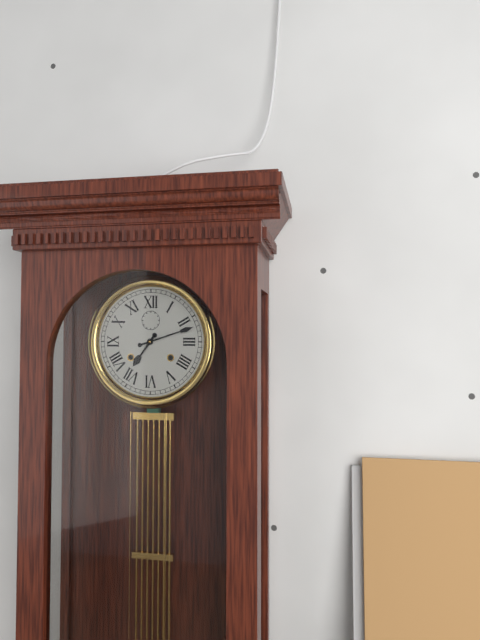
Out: 7,12
